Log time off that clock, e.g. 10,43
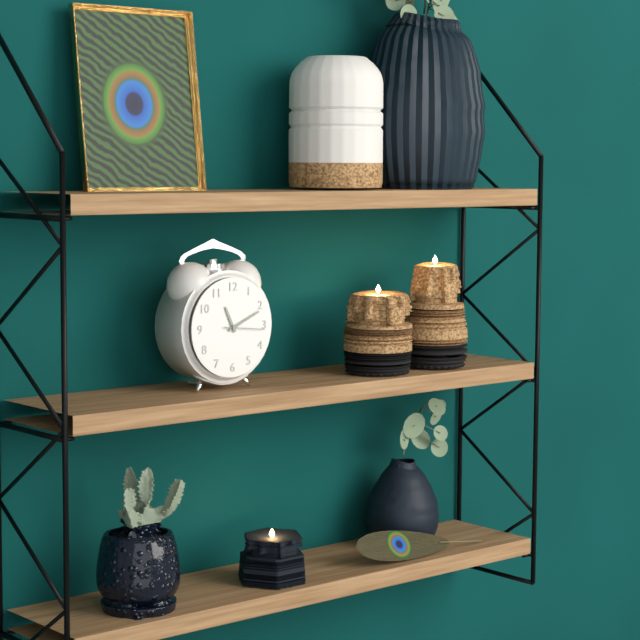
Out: 11,11
